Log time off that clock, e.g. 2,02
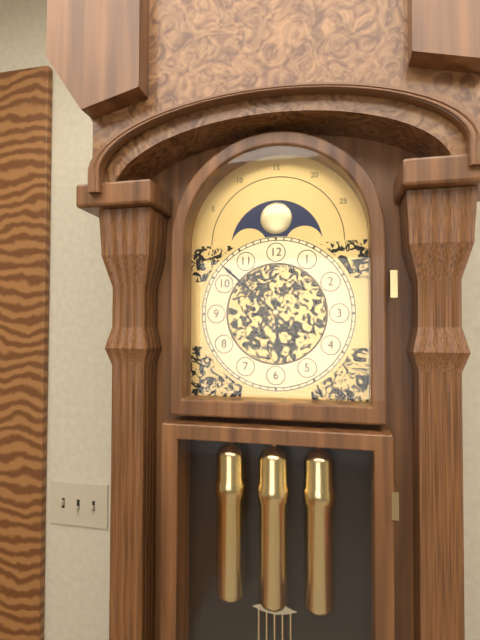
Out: 5,52
